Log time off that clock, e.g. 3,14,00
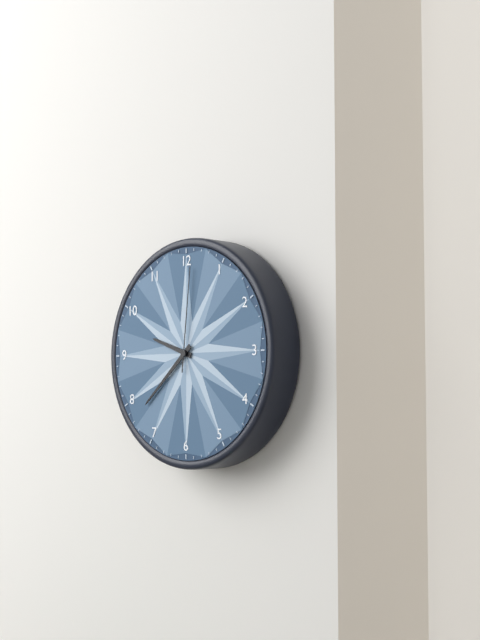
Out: 9,38,01
